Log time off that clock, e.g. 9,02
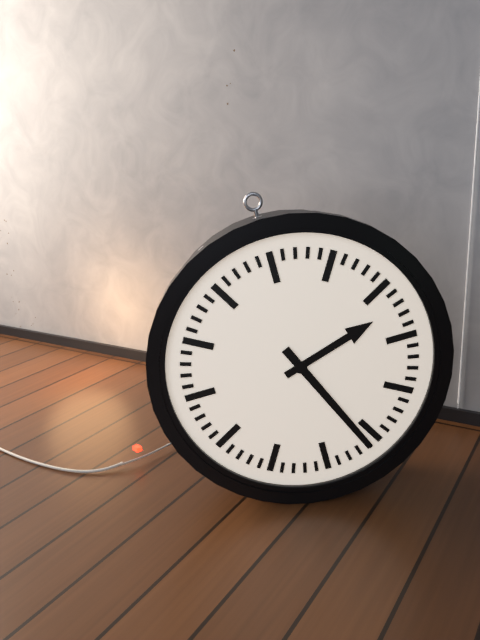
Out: 2,26
